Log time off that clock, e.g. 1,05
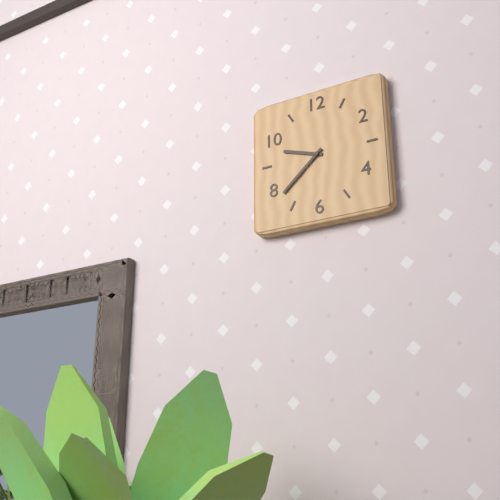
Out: 9,38
